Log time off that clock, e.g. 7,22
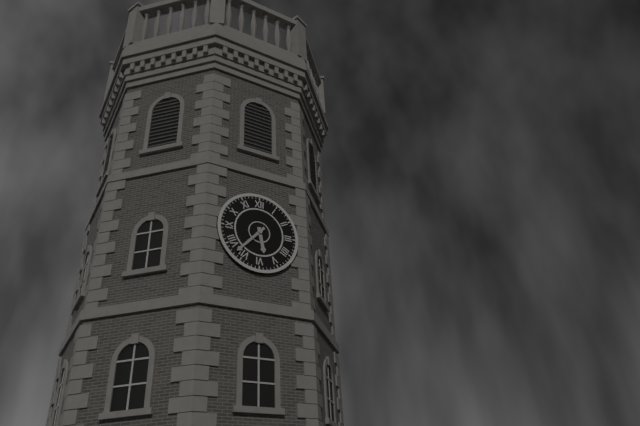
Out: 5,37
